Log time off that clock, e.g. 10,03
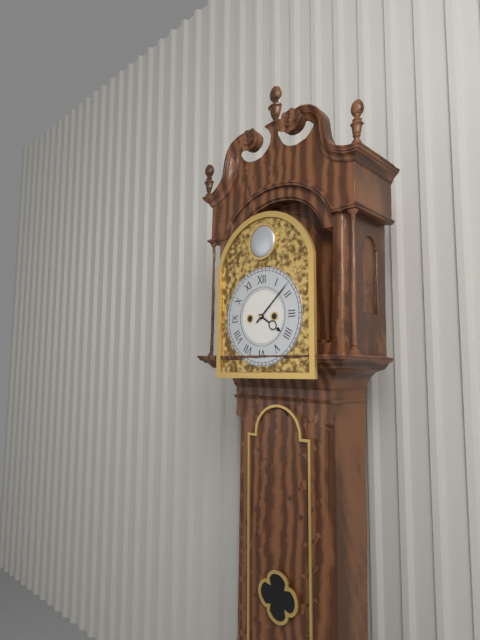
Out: 4,08
